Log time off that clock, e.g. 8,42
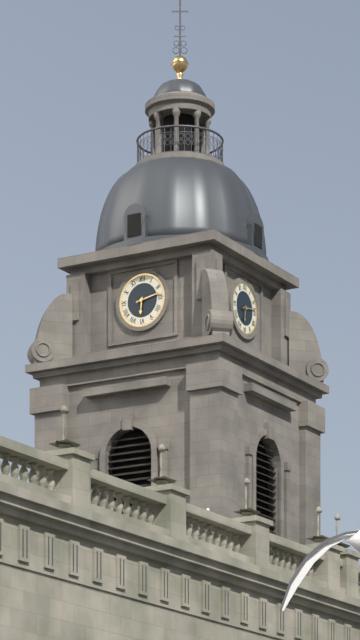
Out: 6,13
